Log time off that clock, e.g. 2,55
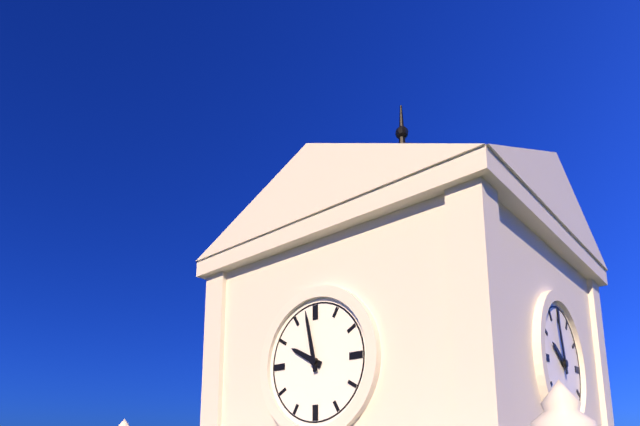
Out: 9,58
